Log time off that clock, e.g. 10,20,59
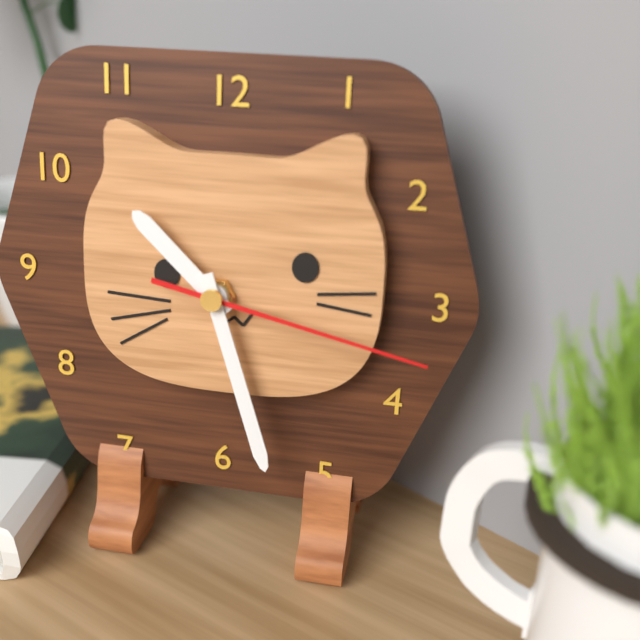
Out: 10,27,17
